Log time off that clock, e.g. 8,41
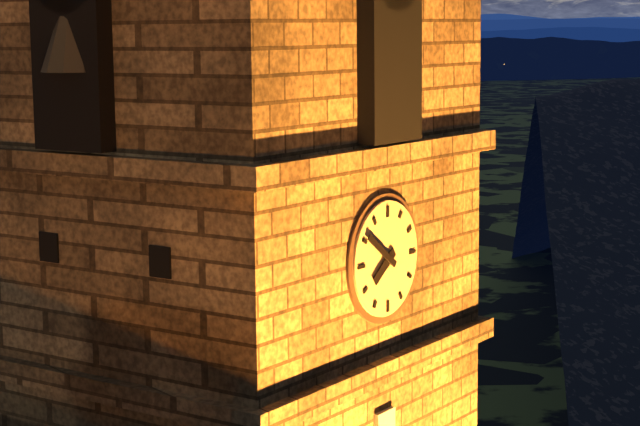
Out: 7,51
